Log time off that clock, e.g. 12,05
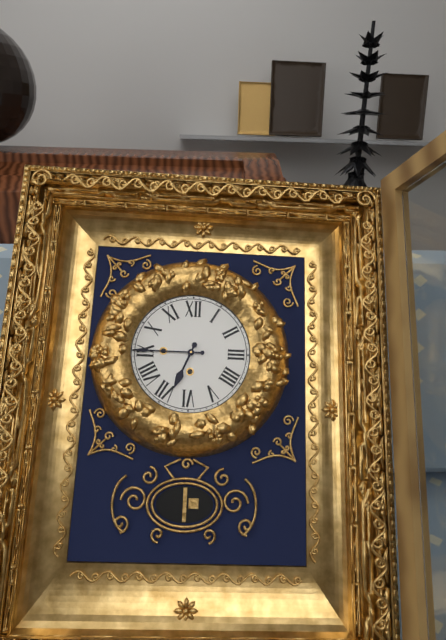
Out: 6,45
